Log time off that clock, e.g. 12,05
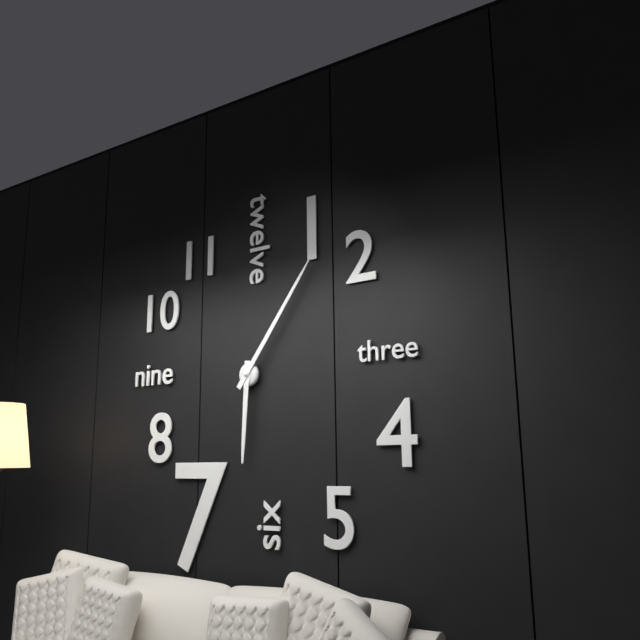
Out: 6,06
